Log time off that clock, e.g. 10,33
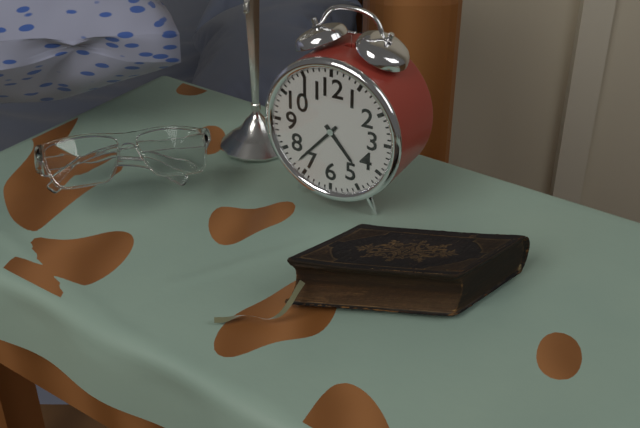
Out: 4,37
